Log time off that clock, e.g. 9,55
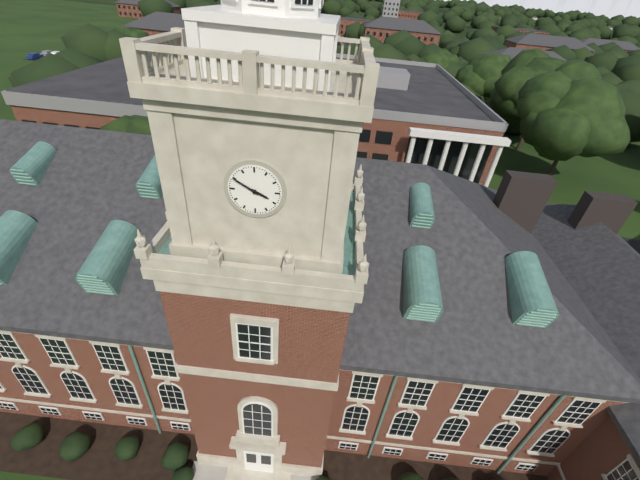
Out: 3,50
